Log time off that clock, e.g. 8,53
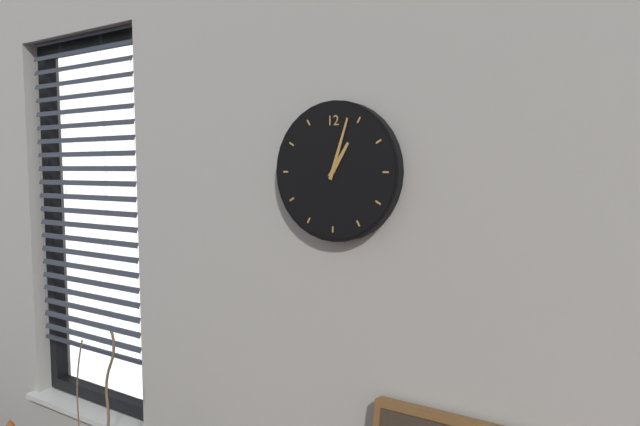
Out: 1,03
